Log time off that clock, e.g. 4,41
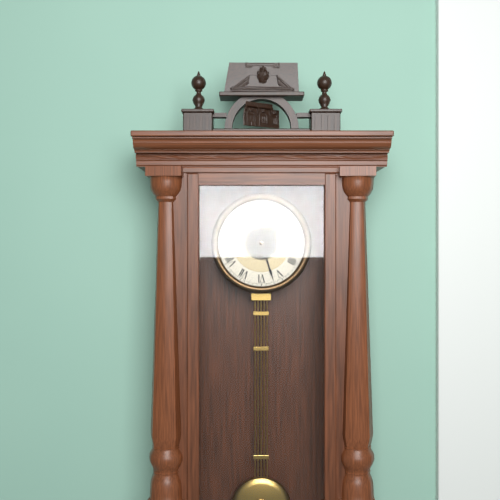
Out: 1,27
